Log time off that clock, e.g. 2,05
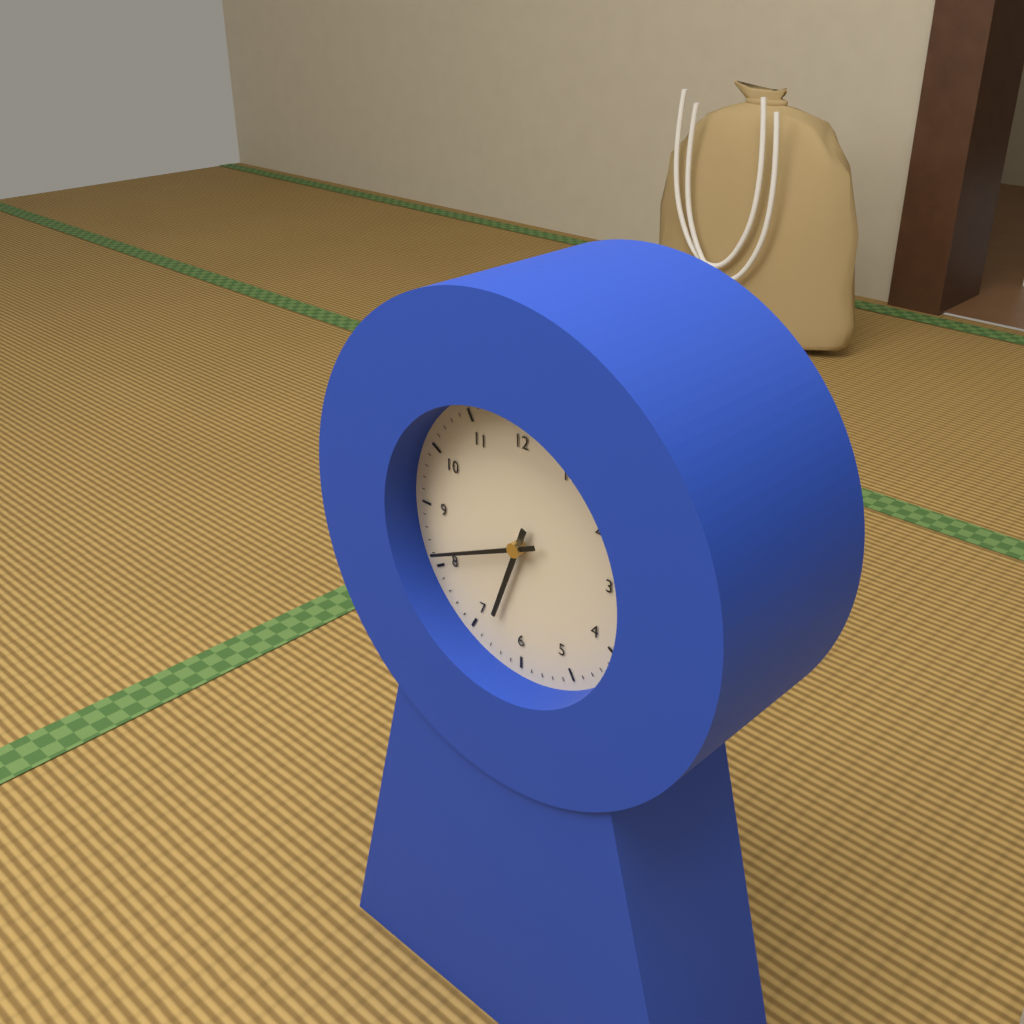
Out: 6,41
